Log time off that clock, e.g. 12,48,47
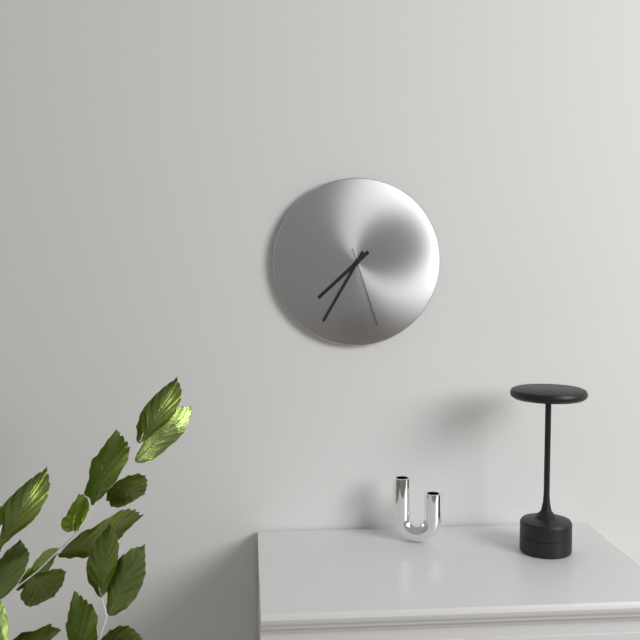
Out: 7,35,27
